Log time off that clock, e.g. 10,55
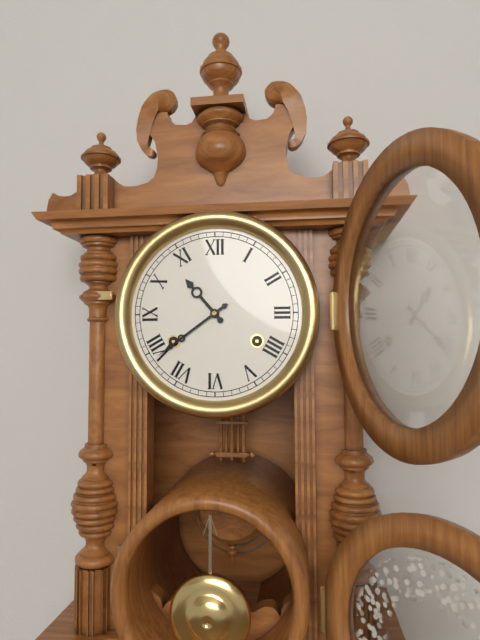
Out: 10,39
